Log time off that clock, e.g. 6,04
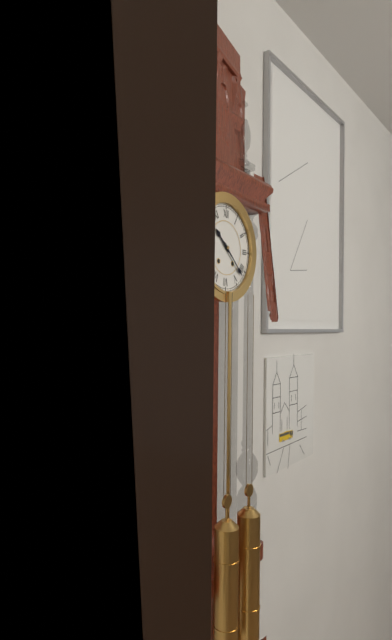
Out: 10,22
